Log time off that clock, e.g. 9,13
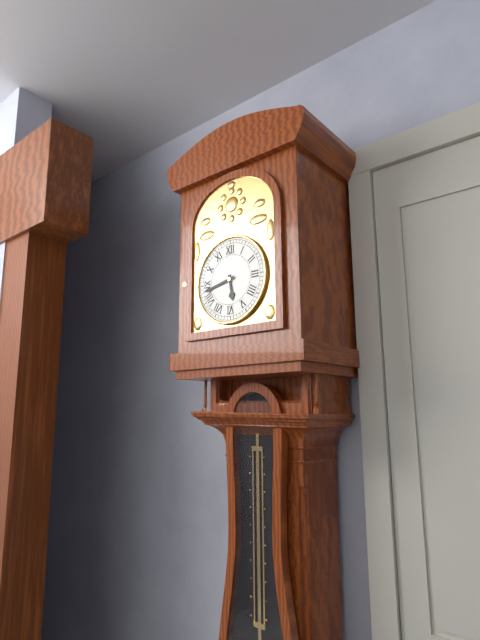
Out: 5,43
